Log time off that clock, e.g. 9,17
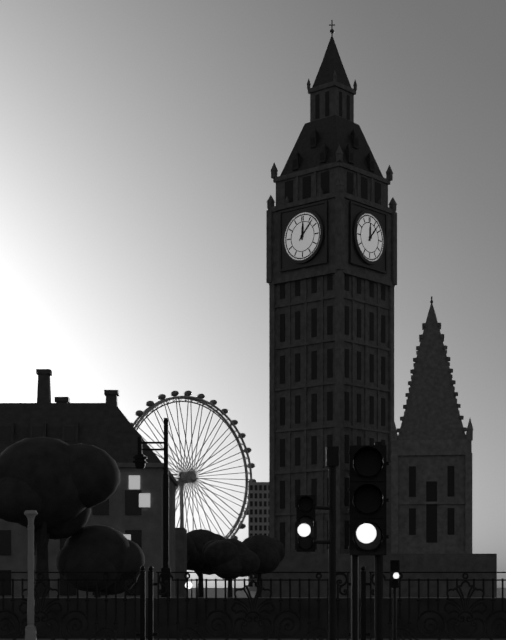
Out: 12,07
